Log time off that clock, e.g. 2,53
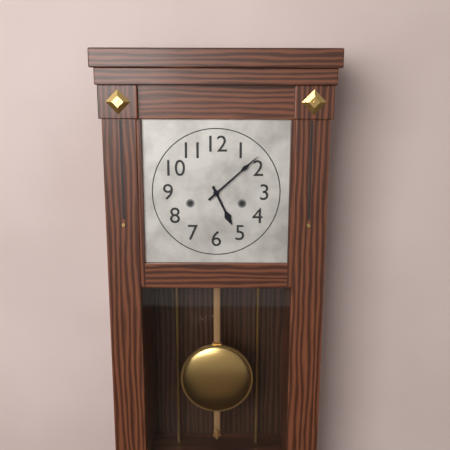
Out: 5,08
